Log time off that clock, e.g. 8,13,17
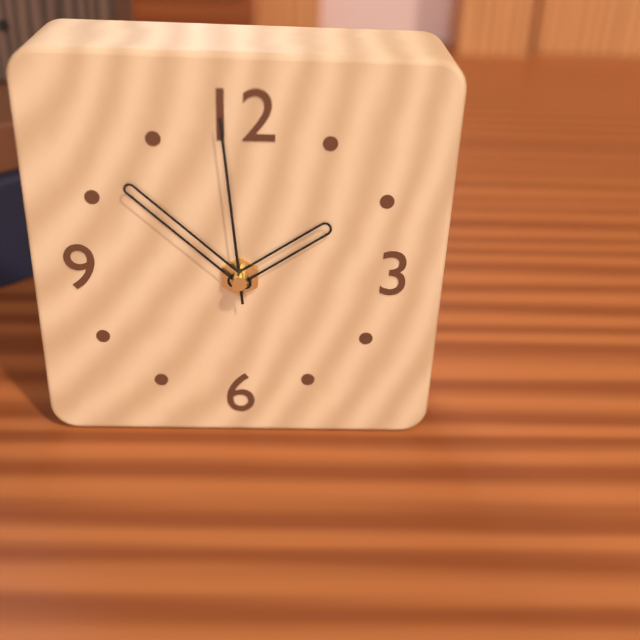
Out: 1,52,59
